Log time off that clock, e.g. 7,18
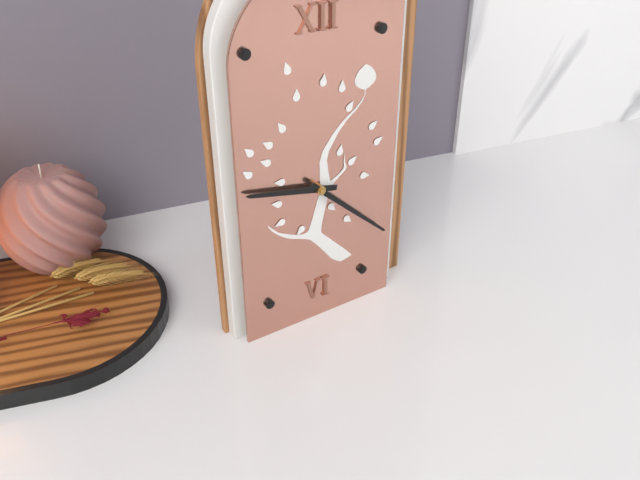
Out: 9,22
